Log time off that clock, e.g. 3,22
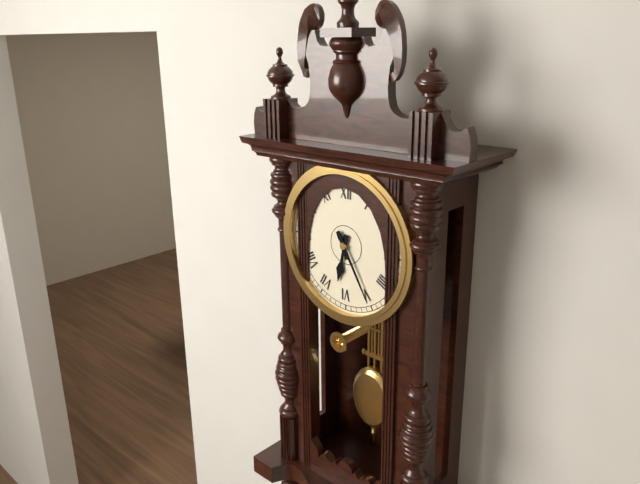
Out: 6,25
